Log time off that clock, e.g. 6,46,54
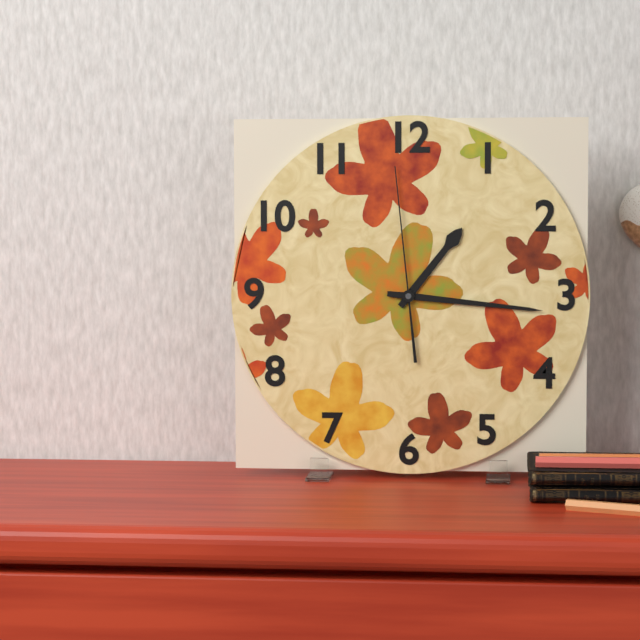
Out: 1,16,59
